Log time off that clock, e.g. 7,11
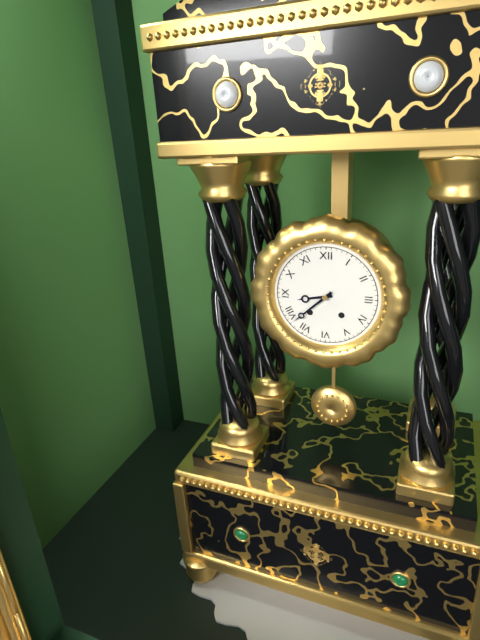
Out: 8,38
